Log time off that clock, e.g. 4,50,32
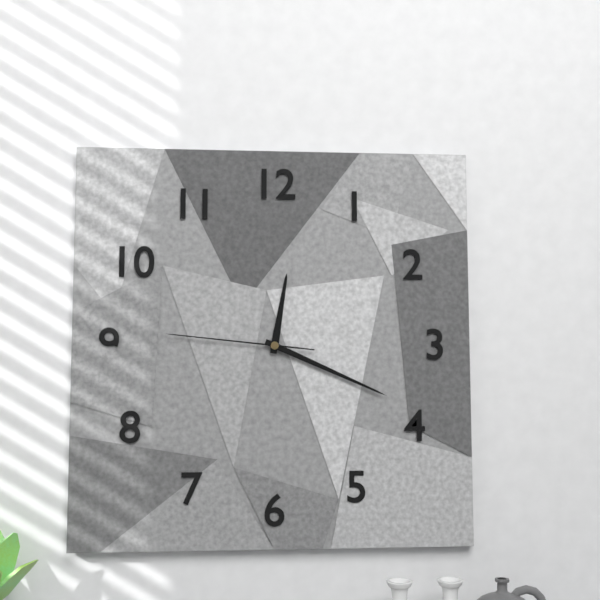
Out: 12,19,46
